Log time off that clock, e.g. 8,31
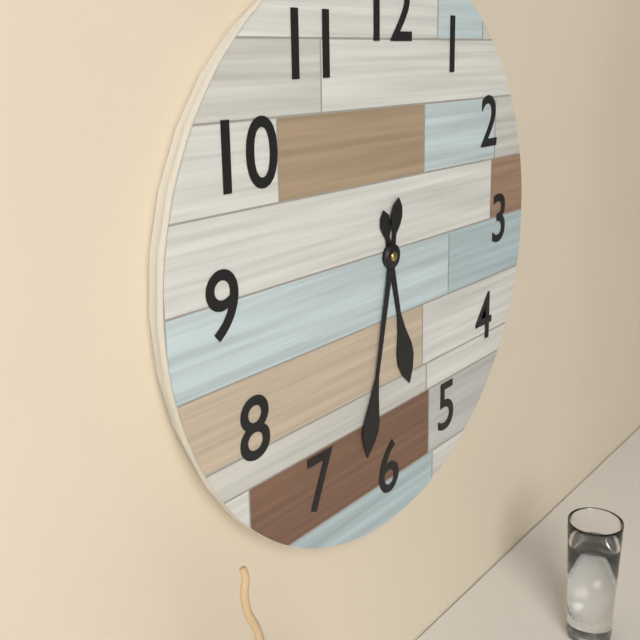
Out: 5,32
